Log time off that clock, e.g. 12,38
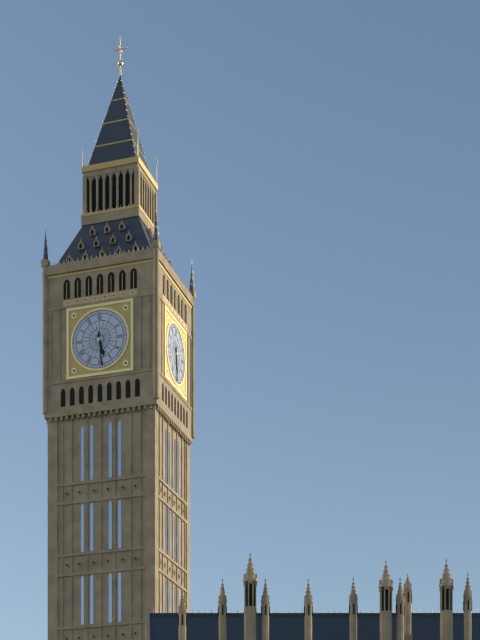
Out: 5,29
